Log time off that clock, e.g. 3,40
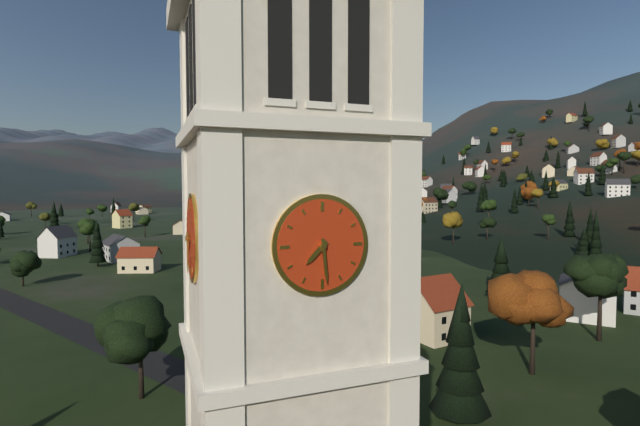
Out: 7,29
